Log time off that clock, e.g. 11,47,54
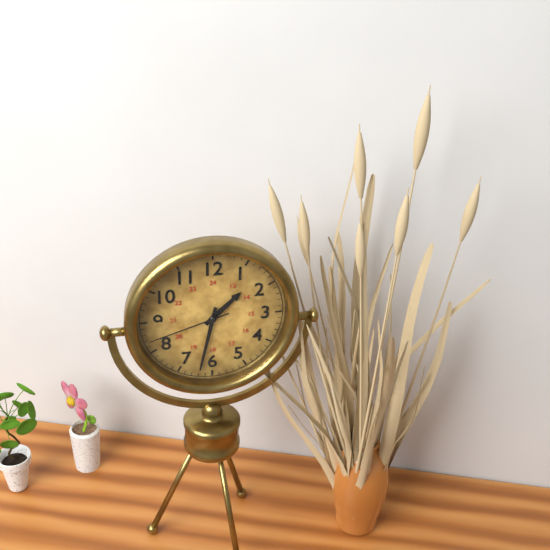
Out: 1,32,42
